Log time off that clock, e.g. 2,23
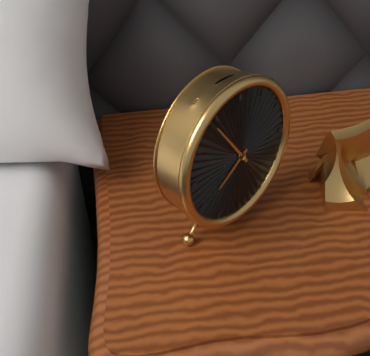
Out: 7,54
